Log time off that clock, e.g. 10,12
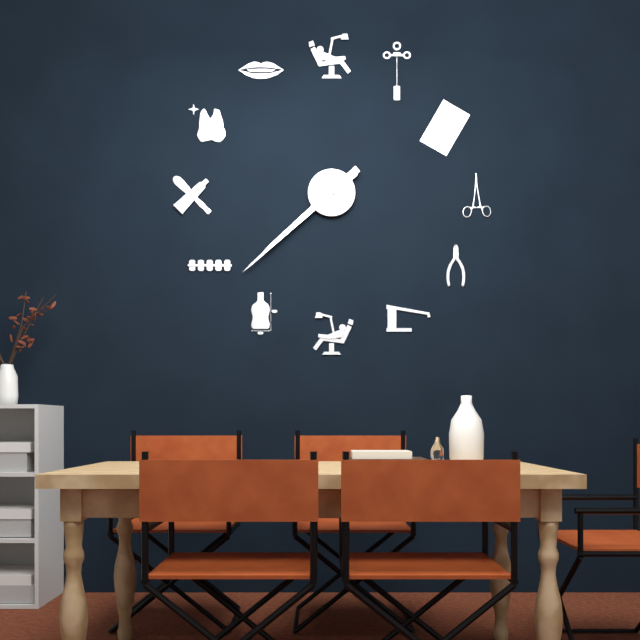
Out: 7,38
